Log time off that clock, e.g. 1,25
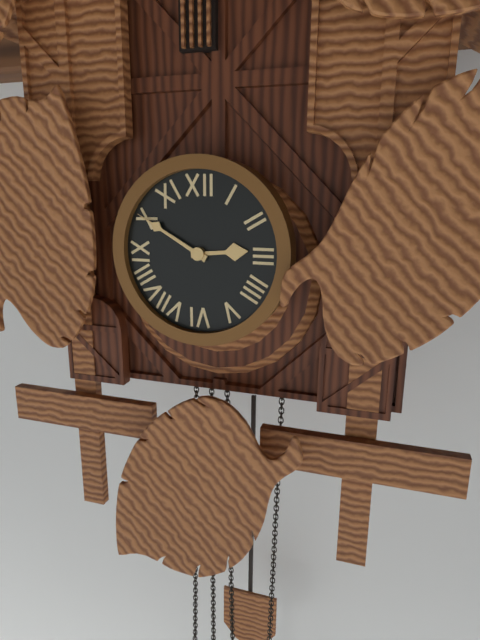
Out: 2,50
